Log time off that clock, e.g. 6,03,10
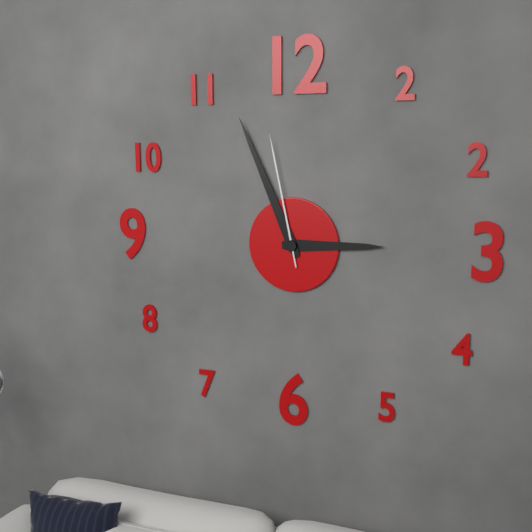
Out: 2,56,58
